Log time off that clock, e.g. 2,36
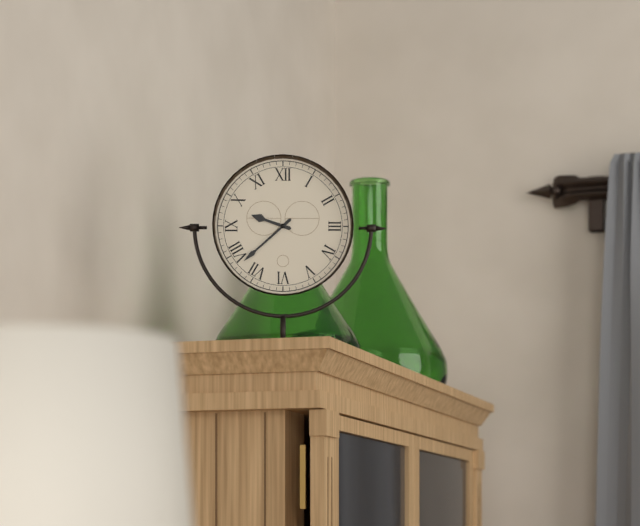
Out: 9,38
